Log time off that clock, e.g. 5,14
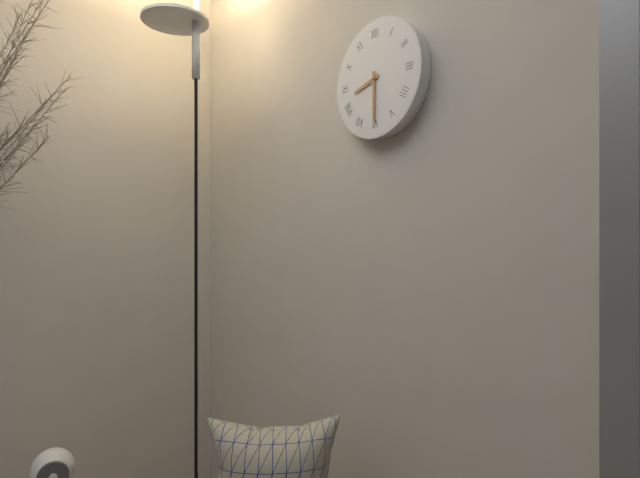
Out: 8,30
